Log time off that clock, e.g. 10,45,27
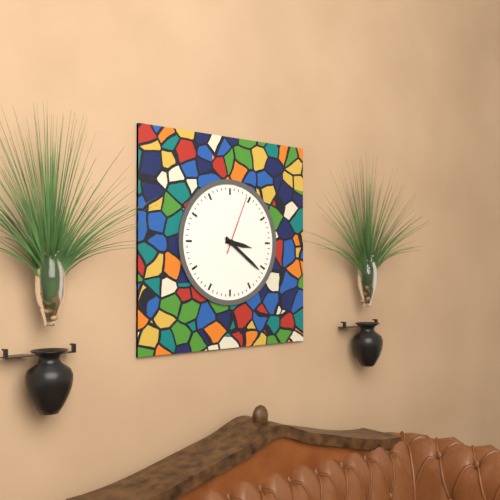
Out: 3,21,04
